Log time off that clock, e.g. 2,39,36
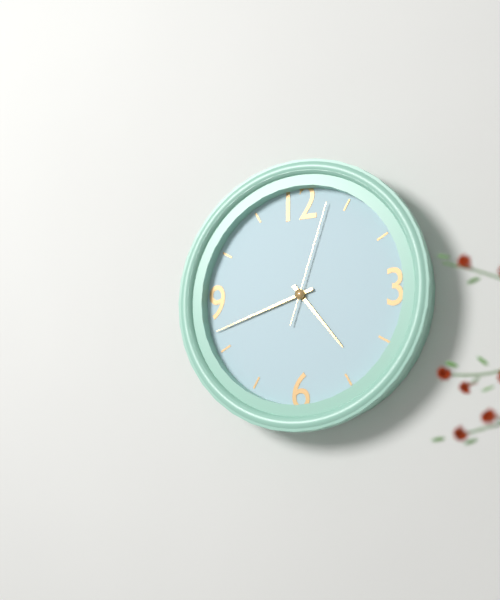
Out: 4,42,03
